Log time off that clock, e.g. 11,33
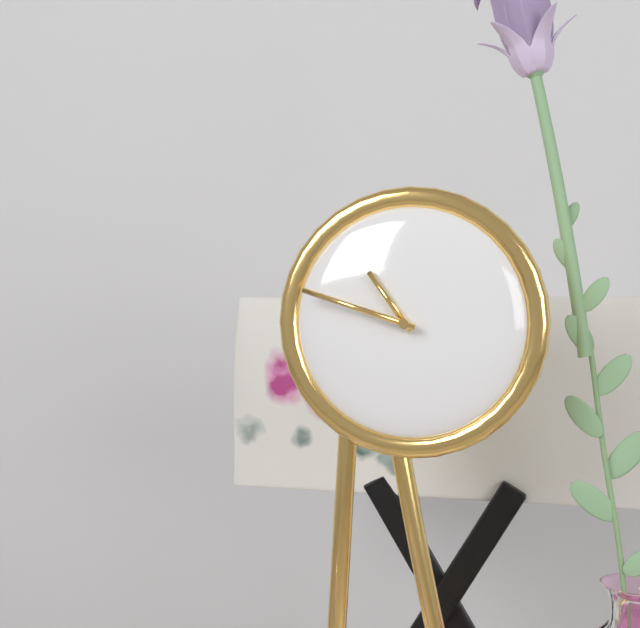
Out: 10,48
